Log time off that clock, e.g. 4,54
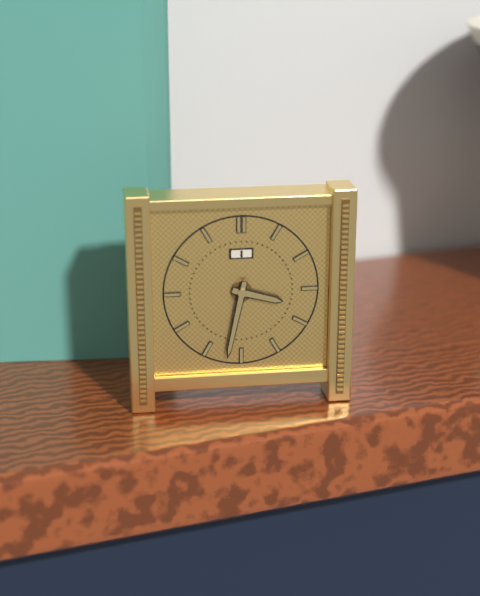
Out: 3,32
